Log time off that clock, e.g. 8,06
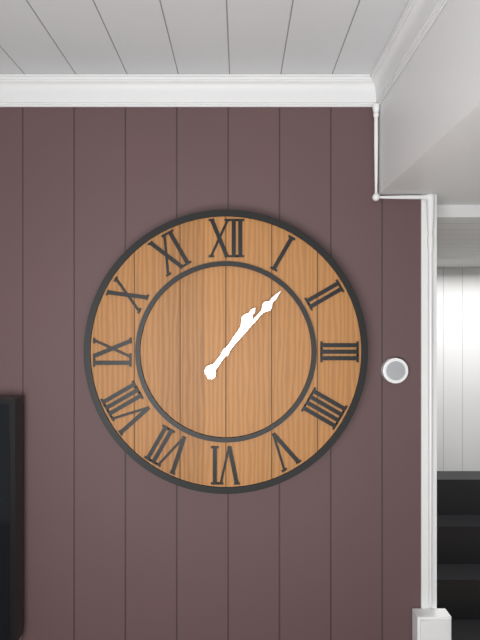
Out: 1,07
